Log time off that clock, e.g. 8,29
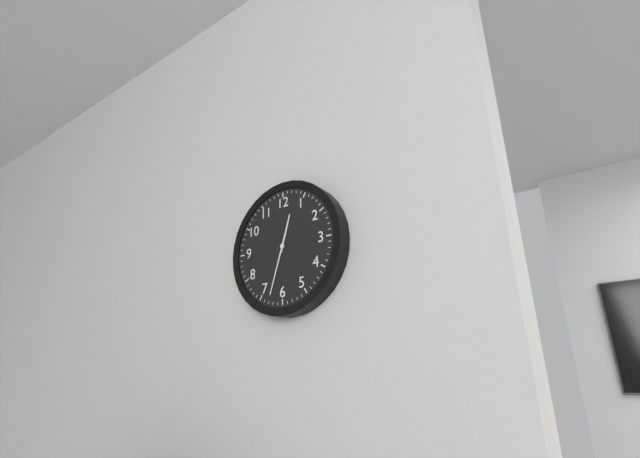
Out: 12,33
